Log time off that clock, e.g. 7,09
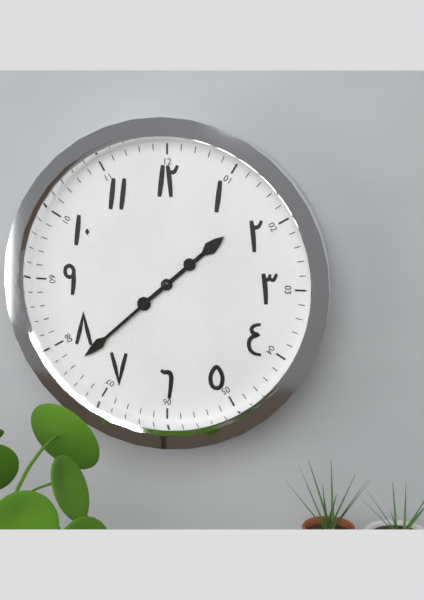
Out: 1,38
